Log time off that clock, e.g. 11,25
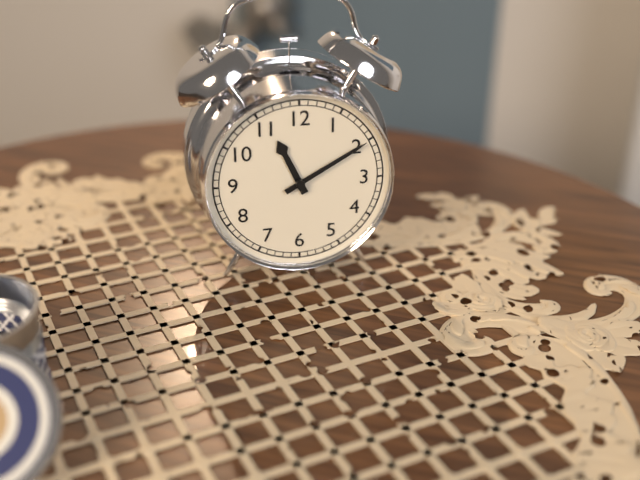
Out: 11,10
